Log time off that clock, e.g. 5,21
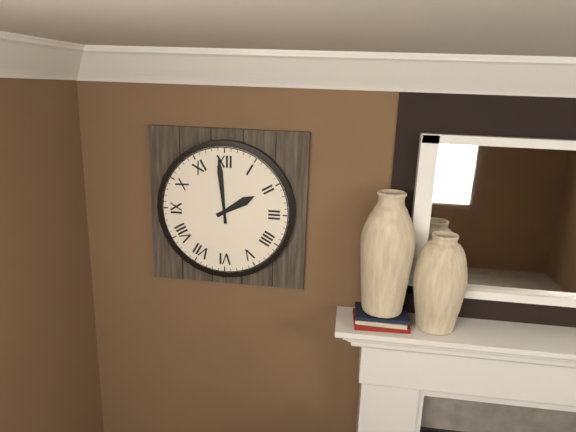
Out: 1,59
